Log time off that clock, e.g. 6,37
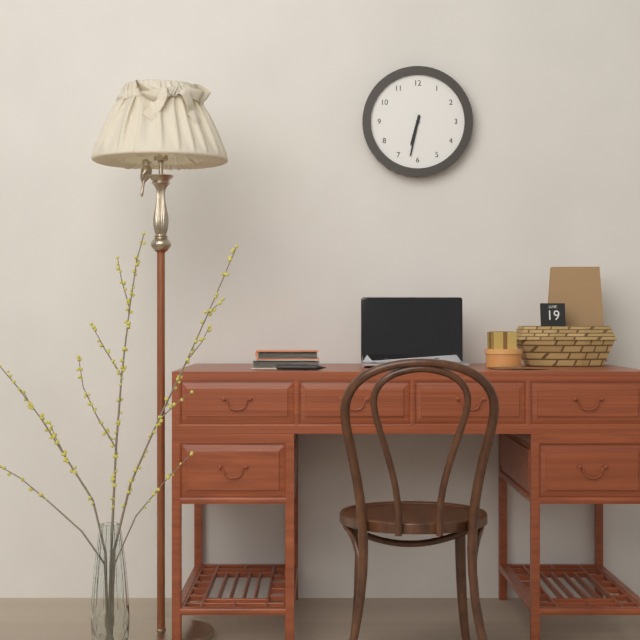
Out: 6,32
